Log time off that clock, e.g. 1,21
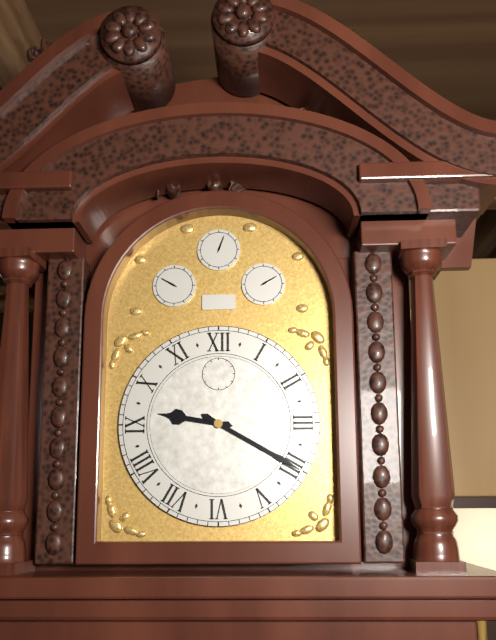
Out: 9,20
